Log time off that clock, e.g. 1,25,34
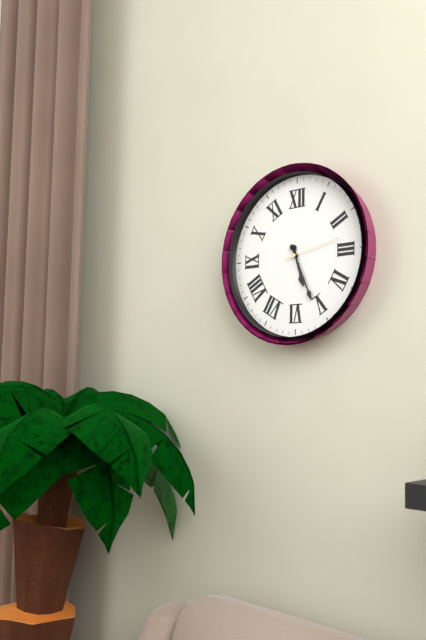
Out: 5,26,13
